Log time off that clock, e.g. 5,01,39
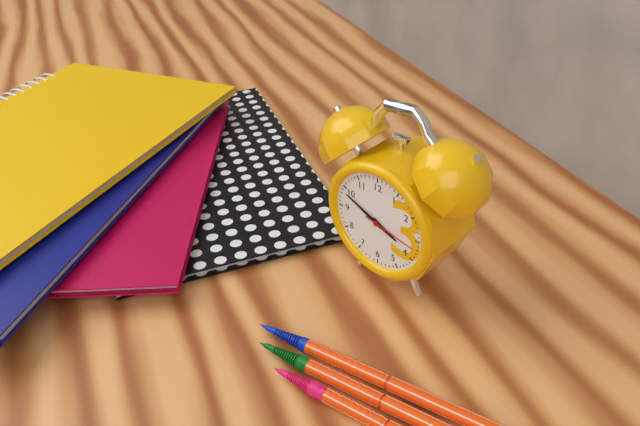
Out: 3,49,17
